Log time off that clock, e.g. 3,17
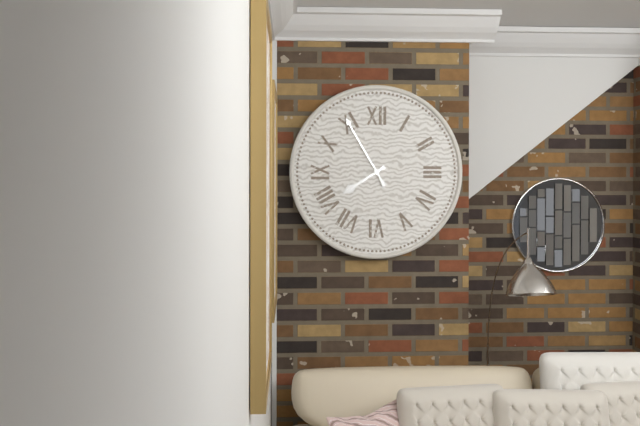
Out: 7,55
